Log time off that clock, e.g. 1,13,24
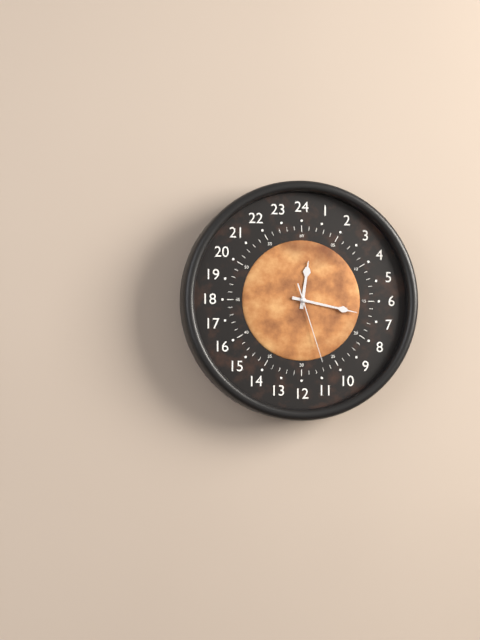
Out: 12,17,27
